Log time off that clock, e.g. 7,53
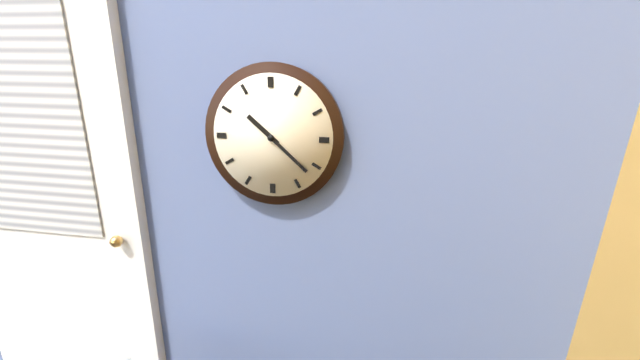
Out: 10,22
